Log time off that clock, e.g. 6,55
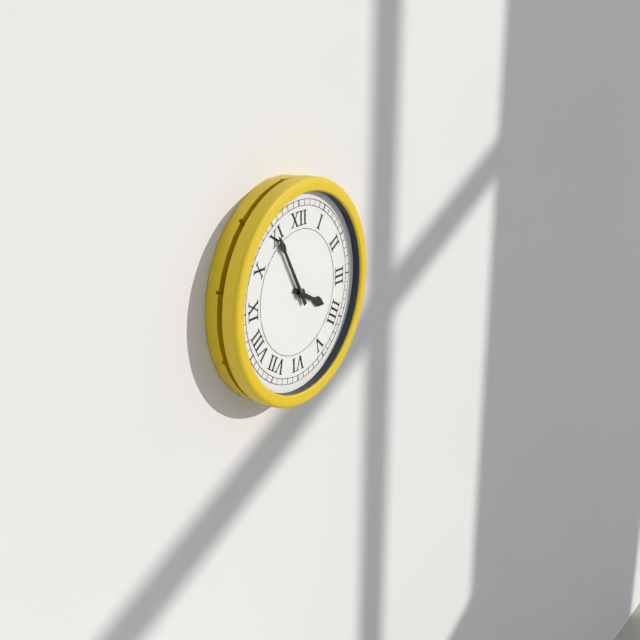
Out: 3,55
